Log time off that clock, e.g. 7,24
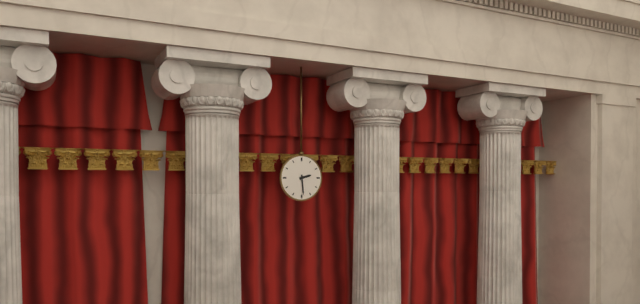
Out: 2,29
